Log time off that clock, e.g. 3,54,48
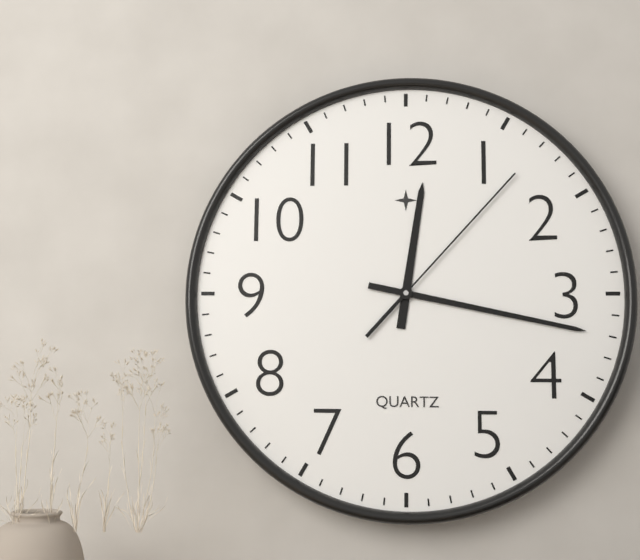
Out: 12,17,07
